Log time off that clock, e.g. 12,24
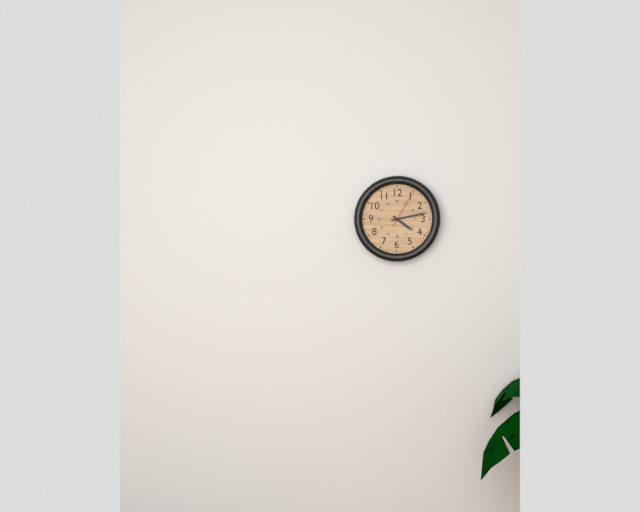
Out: 4,13
